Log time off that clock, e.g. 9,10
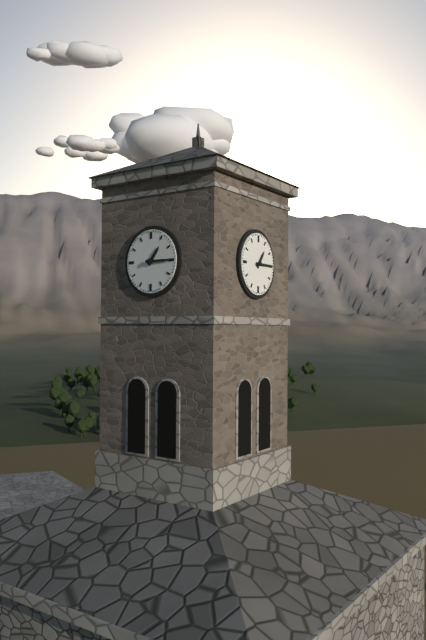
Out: 1,15
